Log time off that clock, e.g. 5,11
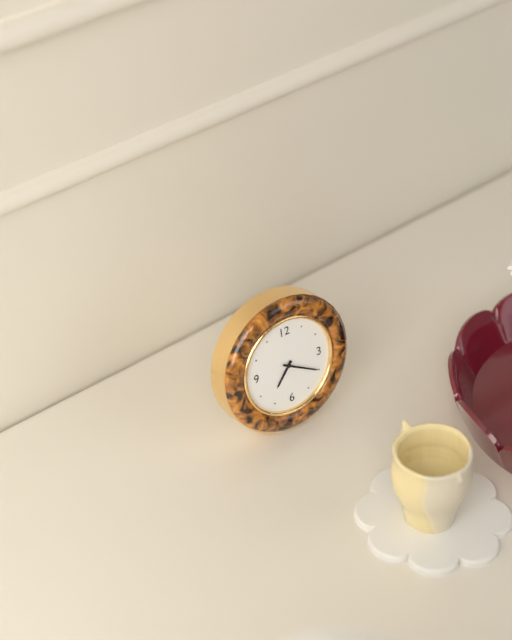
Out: 7,20
